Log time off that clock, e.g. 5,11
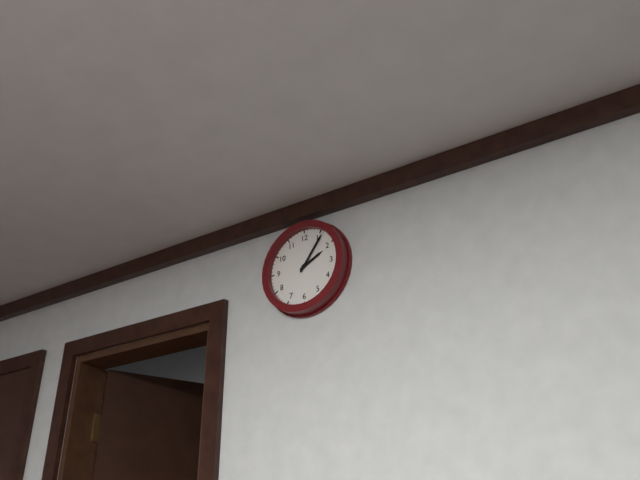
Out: 2,06
